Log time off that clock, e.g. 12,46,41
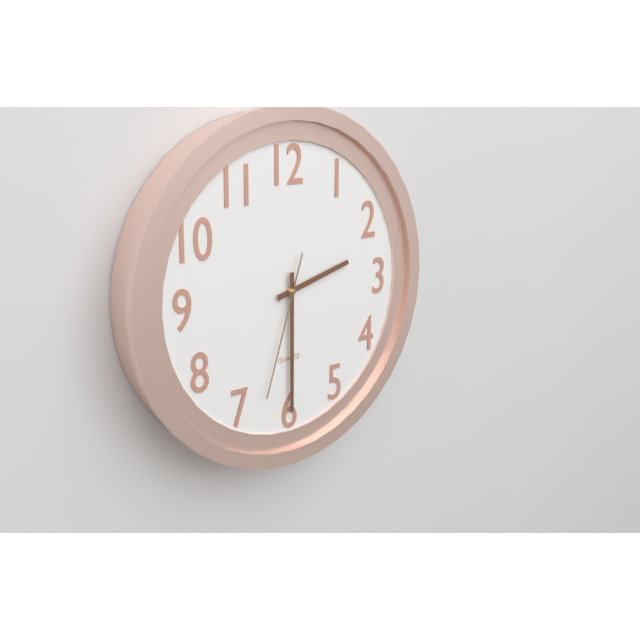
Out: 2,30,33
